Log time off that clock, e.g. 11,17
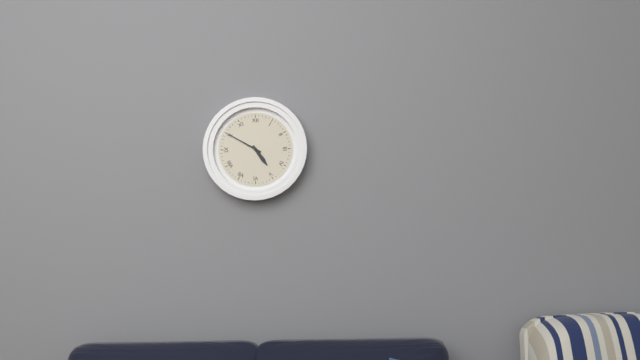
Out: 4,50
